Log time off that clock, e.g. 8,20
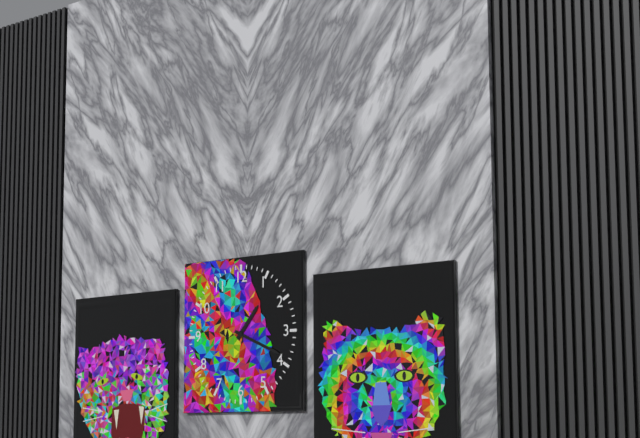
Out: 1,19
